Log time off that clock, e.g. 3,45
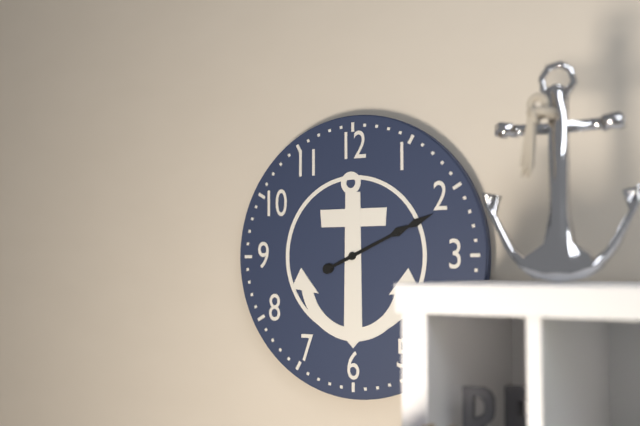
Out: 2,11
